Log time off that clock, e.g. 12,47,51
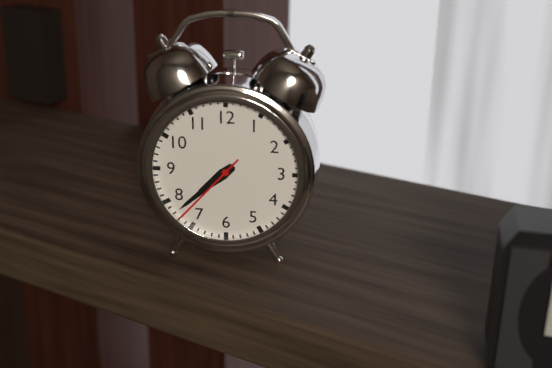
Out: 7,38,37
